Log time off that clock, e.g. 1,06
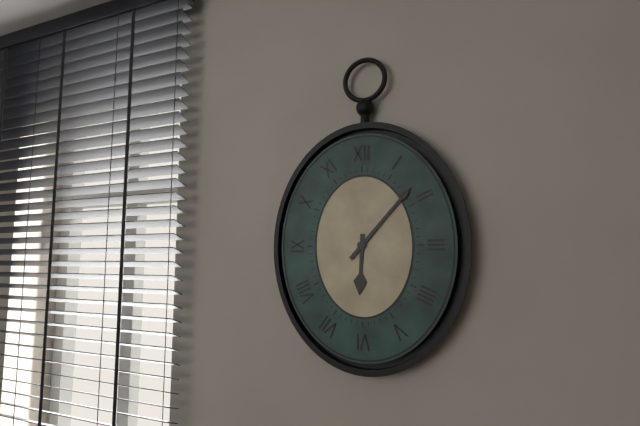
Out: 6,07
